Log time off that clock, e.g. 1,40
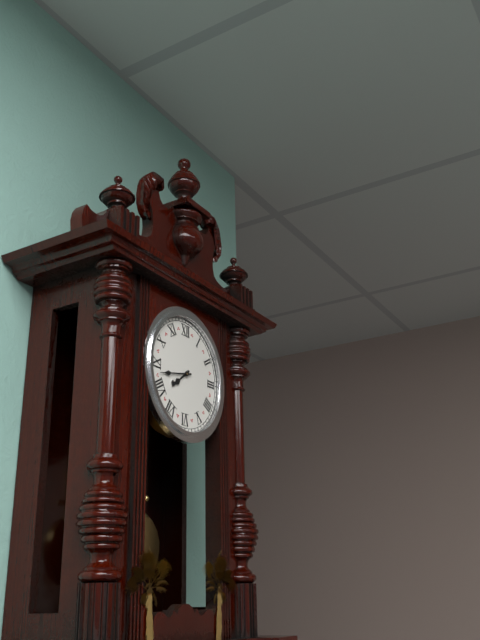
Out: 7,43
